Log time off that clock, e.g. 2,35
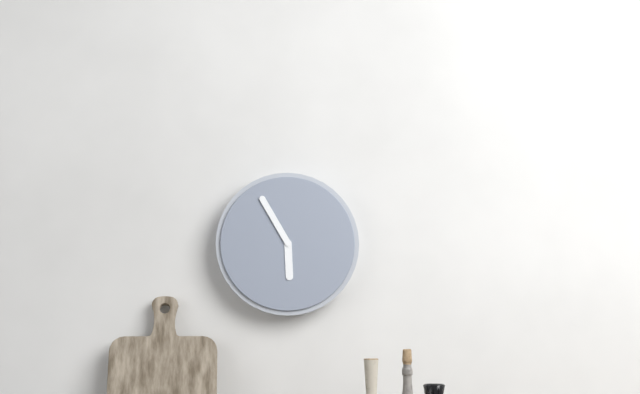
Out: 5,55
